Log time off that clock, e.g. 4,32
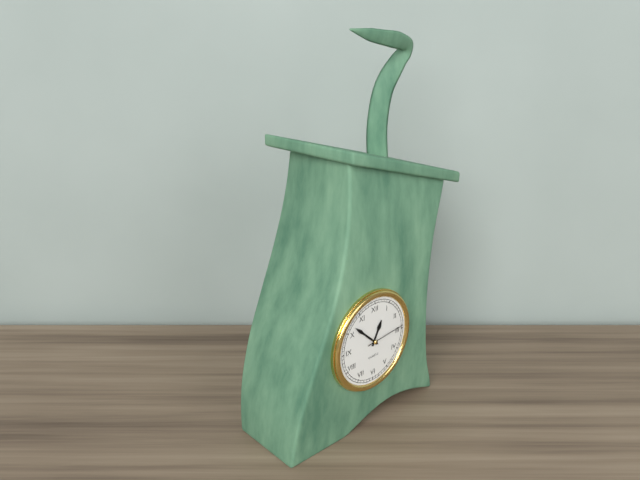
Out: 12,52
